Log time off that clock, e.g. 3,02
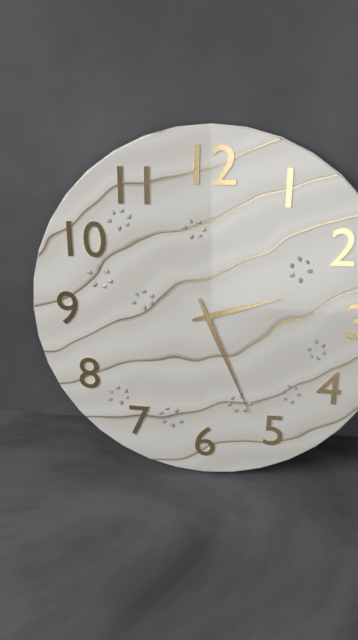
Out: 2,26
